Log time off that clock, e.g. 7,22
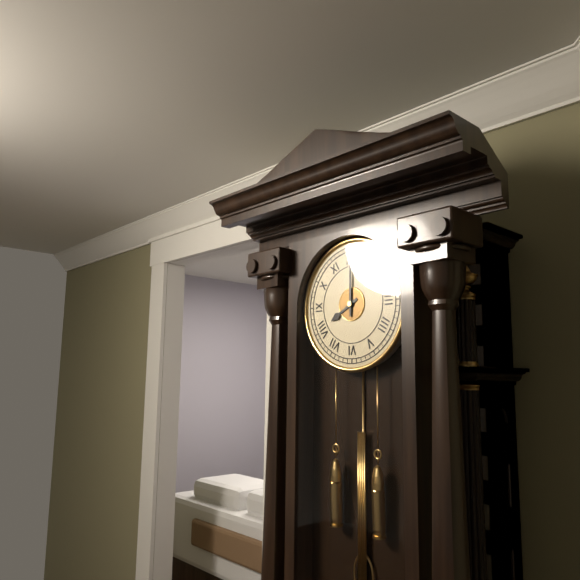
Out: 8,00
